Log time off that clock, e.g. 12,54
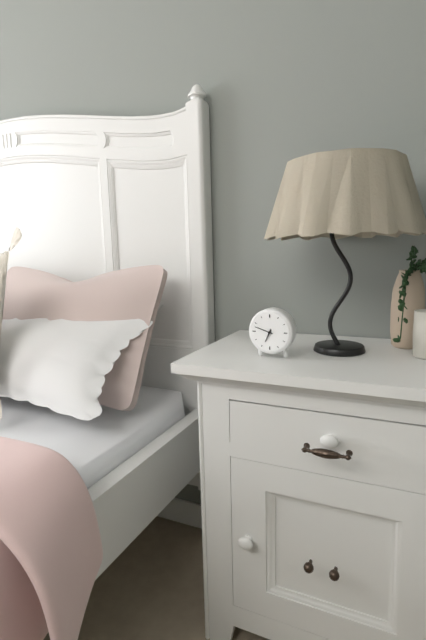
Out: 6,48
